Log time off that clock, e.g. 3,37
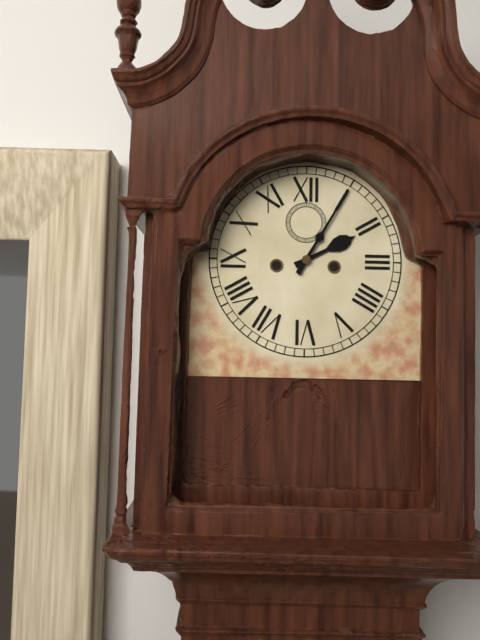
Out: 2,05
